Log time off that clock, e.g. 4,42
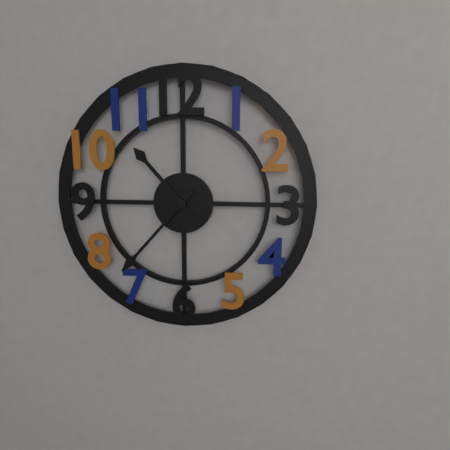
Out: 10,37
